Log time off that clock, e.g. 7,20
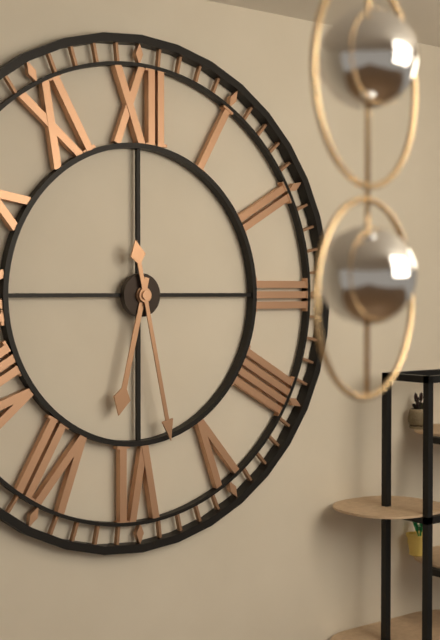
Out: 6,28
